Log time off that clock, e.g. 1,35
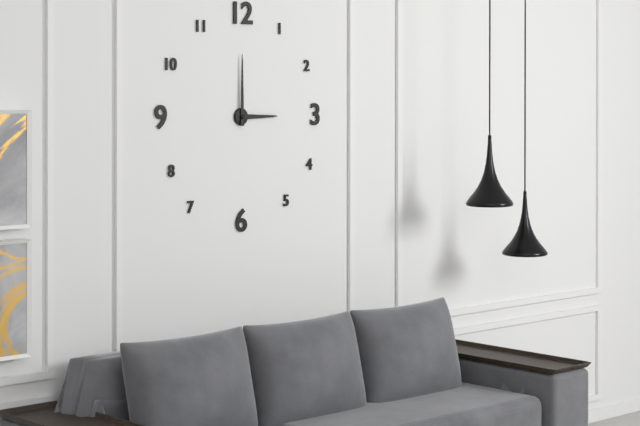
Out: 3,00
